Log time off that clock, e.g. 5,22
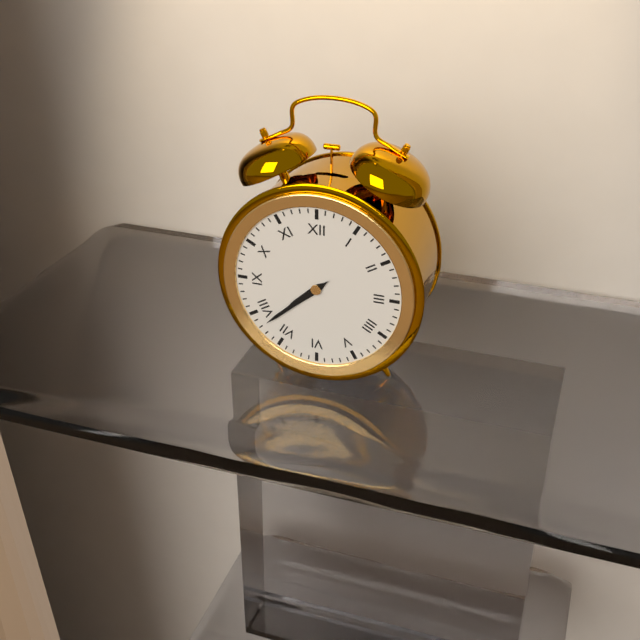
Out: 7,38
